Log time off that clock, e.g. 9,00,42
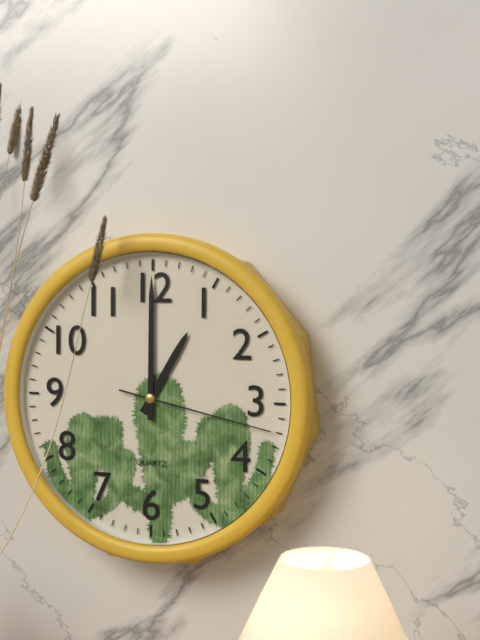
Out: 1,00,17
